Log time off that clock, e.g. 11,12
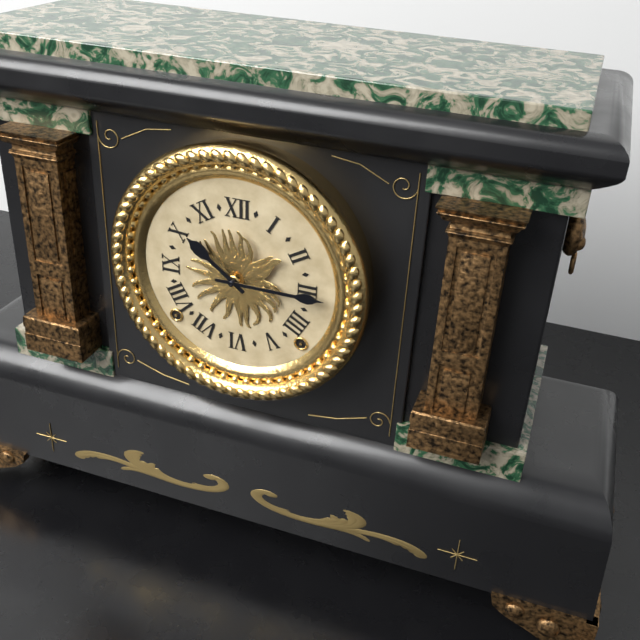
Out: 10,15
